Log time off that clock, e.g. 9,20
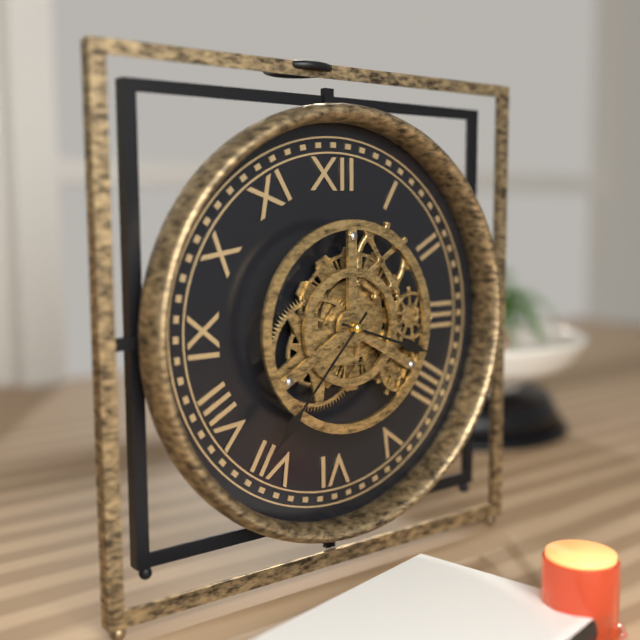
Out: 3,37
